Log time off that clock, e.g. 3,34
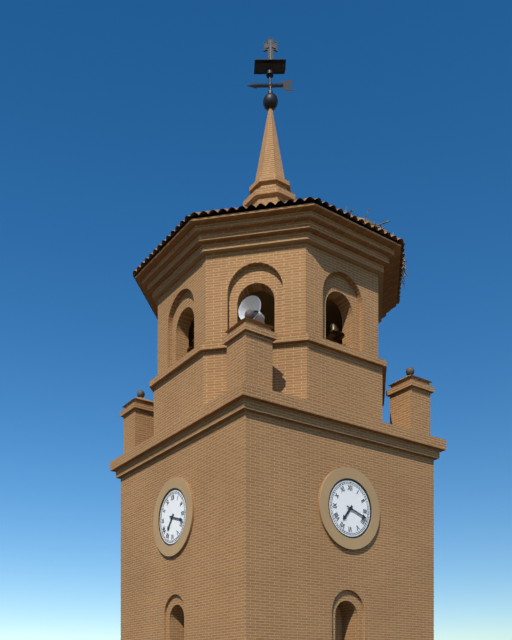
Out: 7,18
